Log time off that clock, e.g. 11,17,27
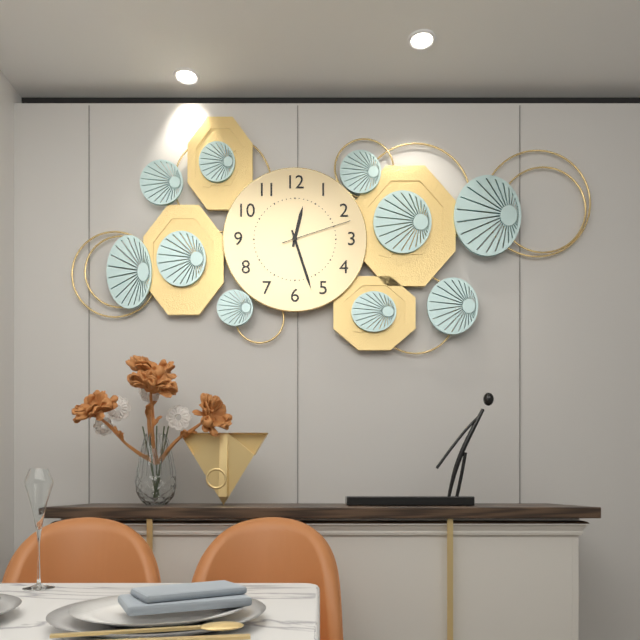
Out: 12,27,12
